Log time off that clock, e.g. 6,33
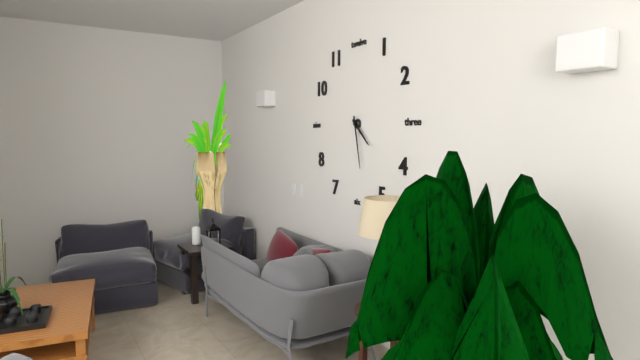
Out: 4,28
